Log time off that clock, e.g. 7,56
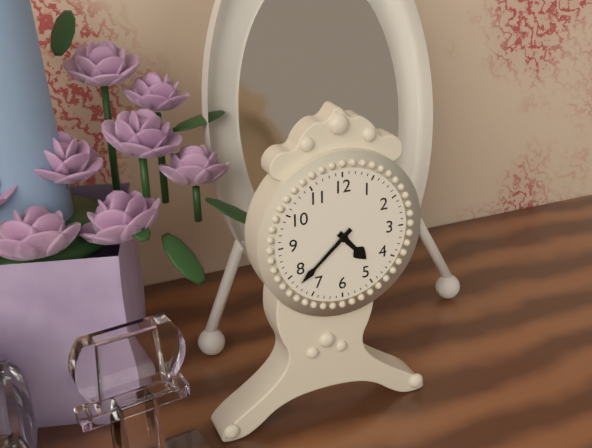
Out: 4,38
